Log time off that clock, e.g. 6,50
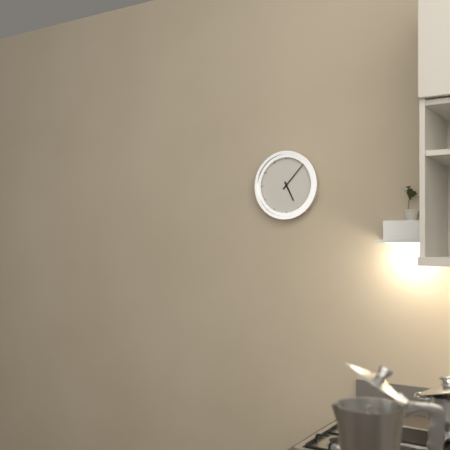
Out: 5,07
